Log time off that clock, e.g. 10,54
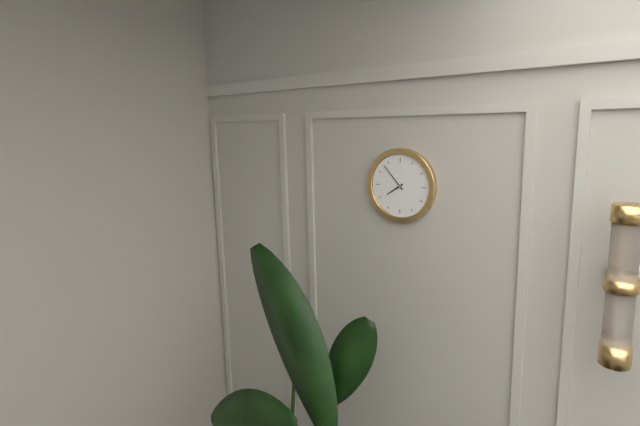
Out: 7,53
